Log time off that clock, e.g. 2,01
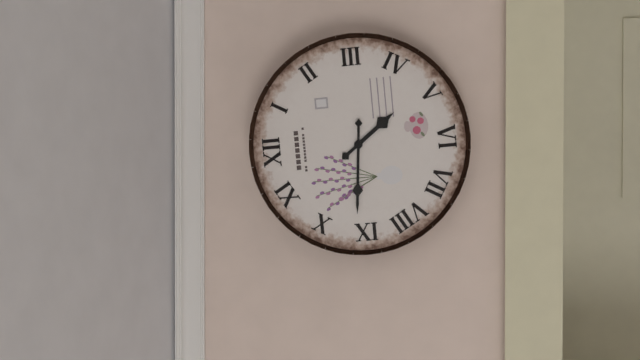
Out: 4,46
